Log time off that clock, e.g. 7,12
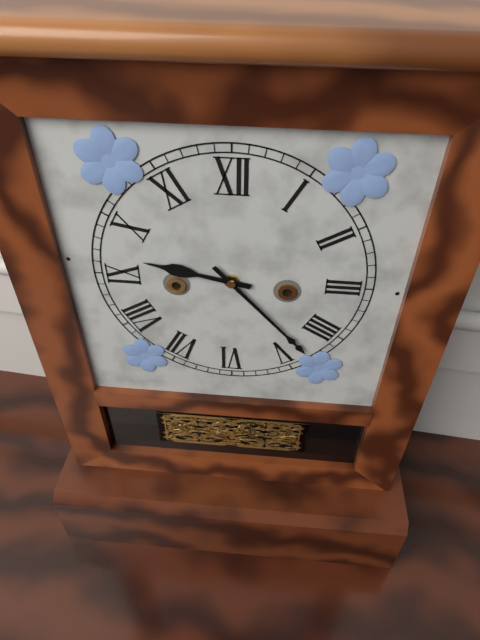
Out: 9,23
